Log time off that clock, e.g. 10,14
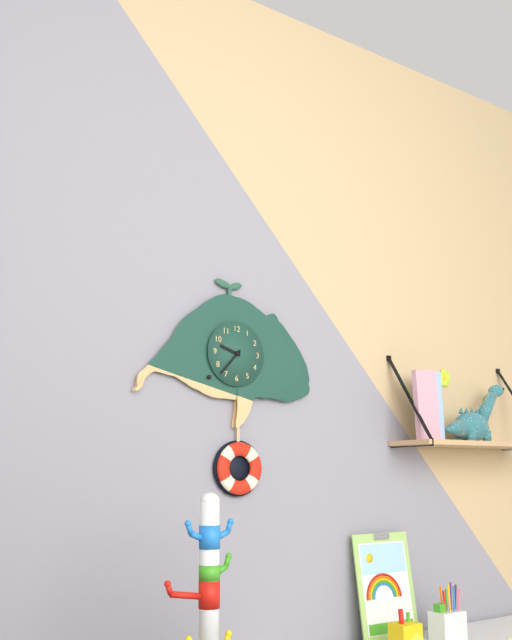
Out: 9,37
